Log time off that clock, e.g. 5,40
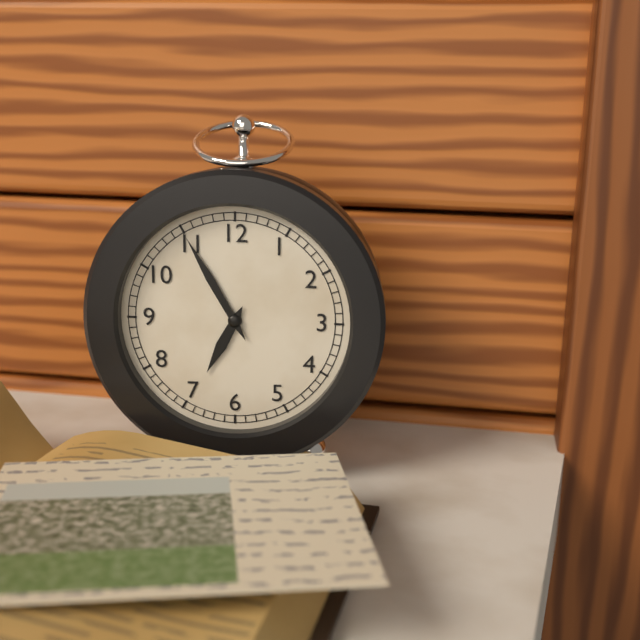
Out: 6,55
